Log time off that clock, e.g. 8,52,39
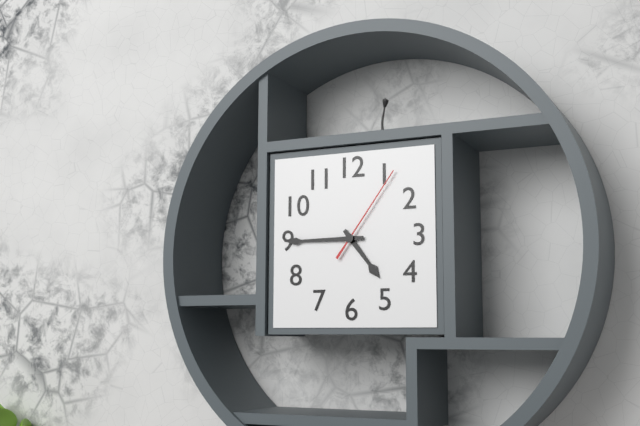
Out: 4,45,06
